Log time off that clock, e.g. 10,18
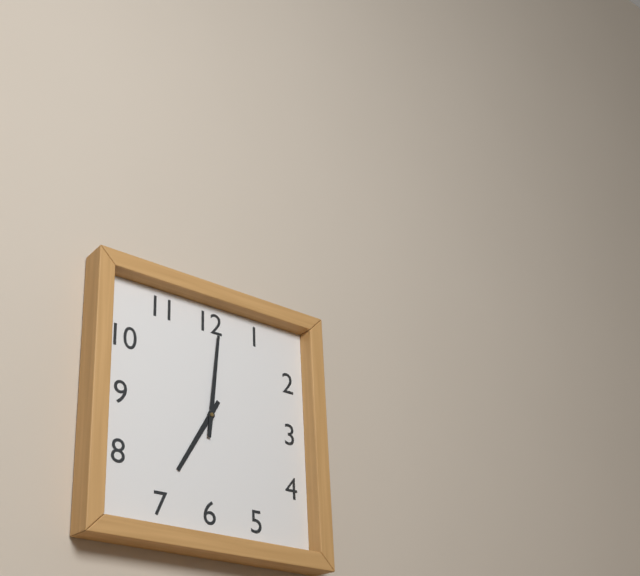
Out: 7,01
